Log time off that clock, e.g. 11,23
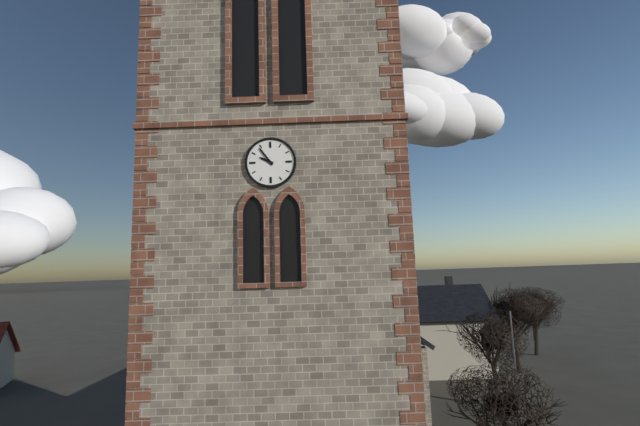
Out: 9,54
